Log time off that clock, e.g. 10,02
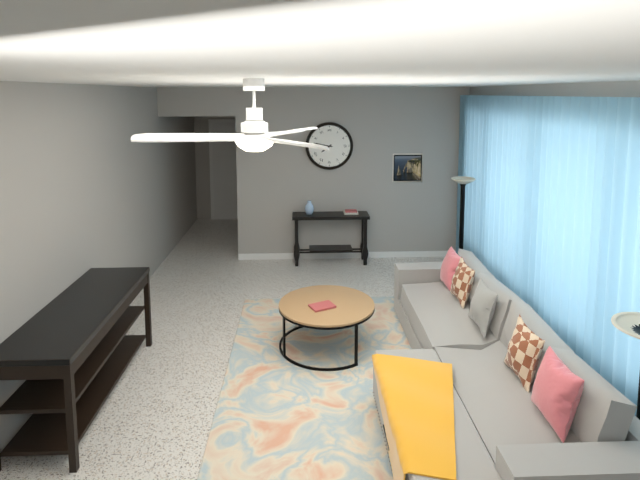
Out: 7,47
